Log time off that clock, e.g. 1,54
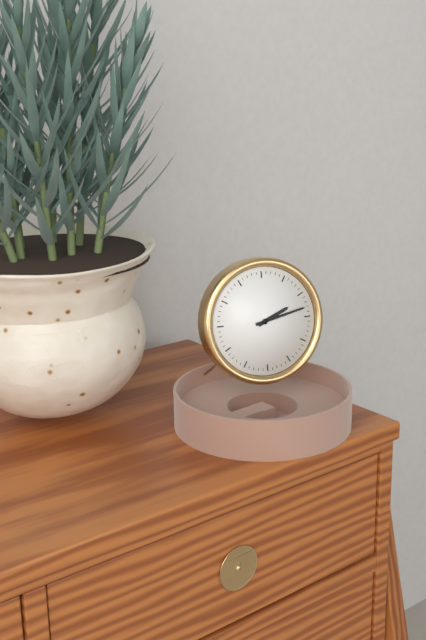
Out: 2,13
